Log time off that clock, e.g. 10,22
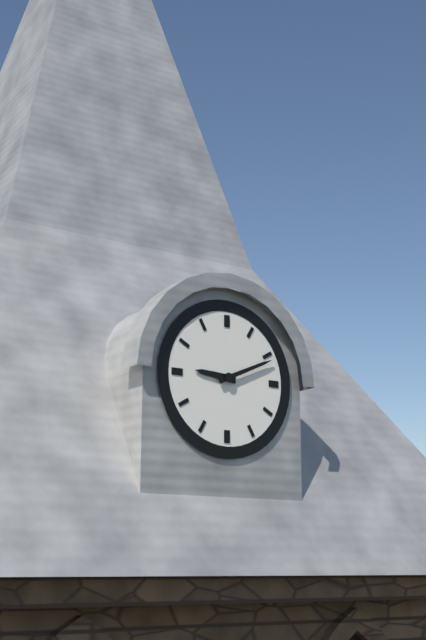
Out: 9,11
